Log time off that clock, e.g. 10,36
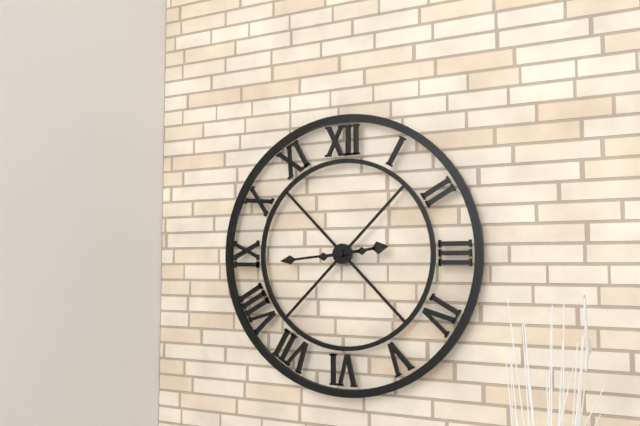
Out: 2,44
